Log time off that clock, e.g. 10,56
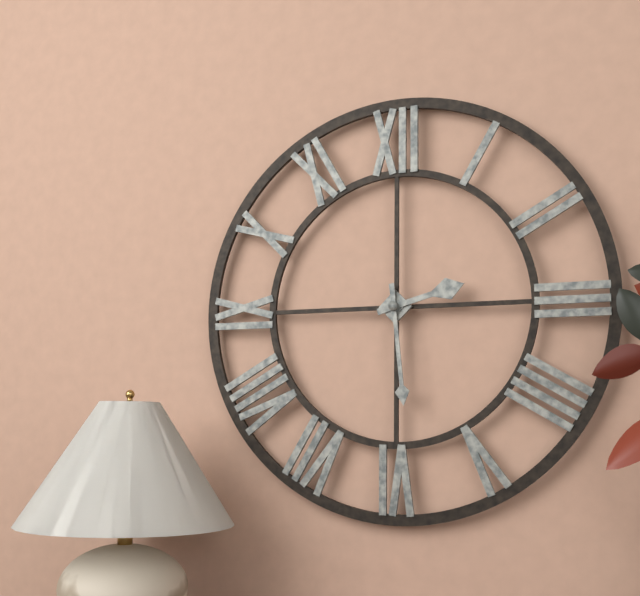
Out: 2,29
